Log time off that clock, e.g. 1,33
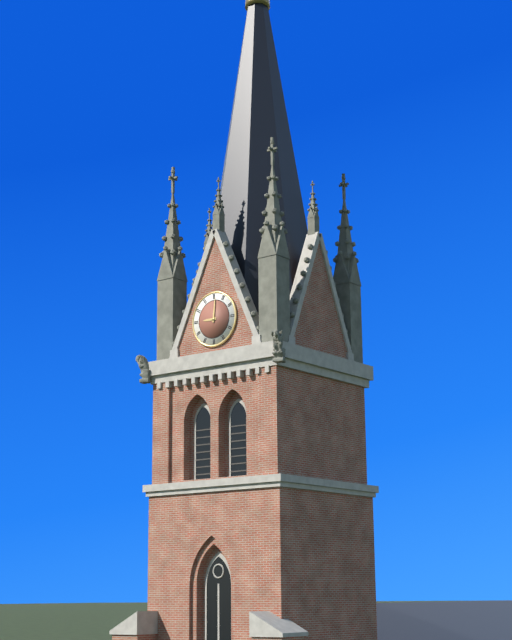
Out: 9,01
